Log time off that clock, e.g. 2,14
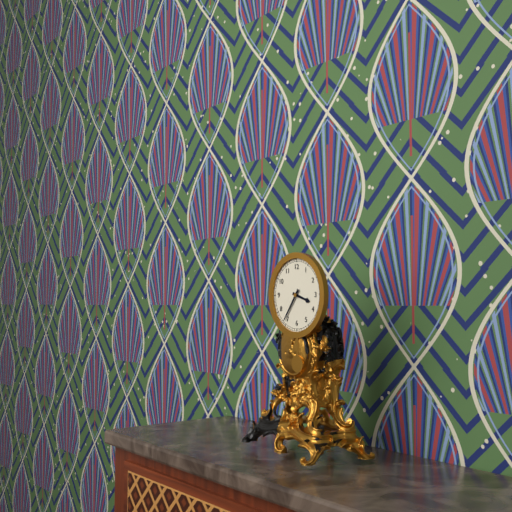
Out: 3,36
